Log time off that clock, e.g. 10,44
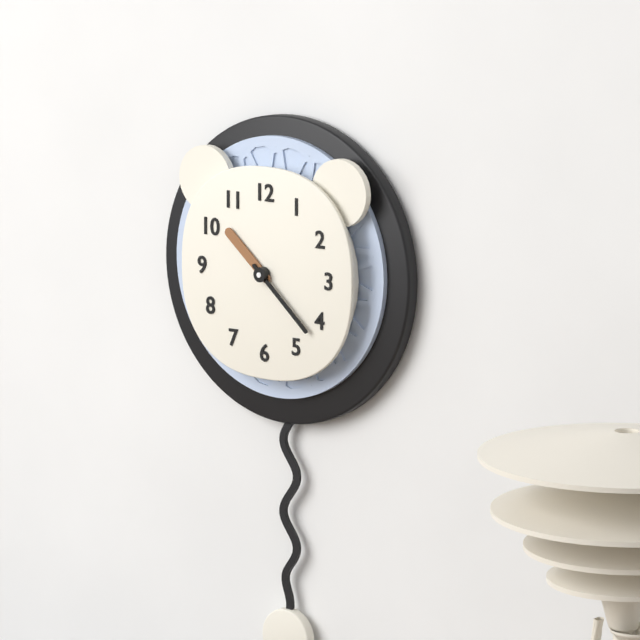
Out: 10,22
